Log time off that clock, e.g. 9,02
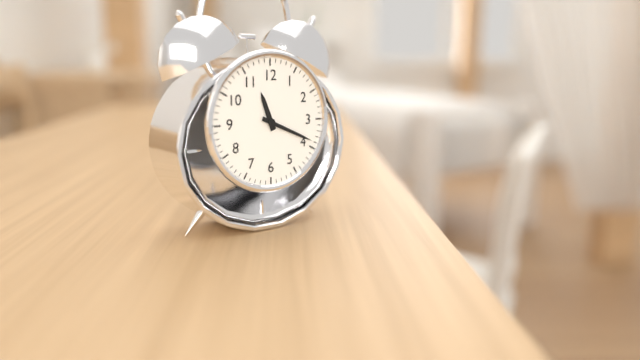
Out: 11,19
